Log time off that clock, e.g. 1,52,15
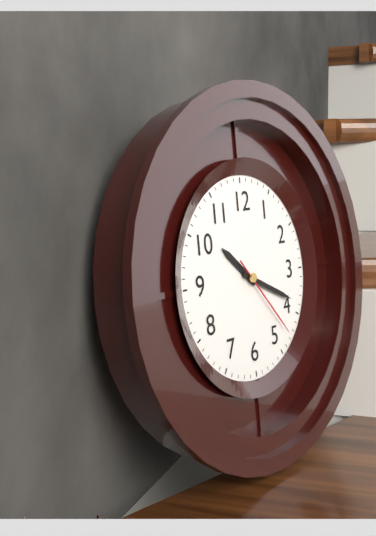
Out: 10,19,23
